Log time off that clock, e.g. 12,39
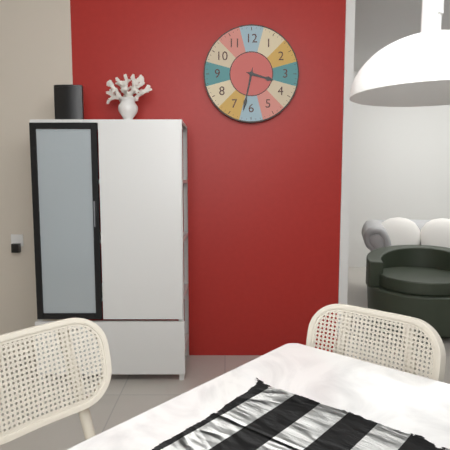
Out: 3,32
